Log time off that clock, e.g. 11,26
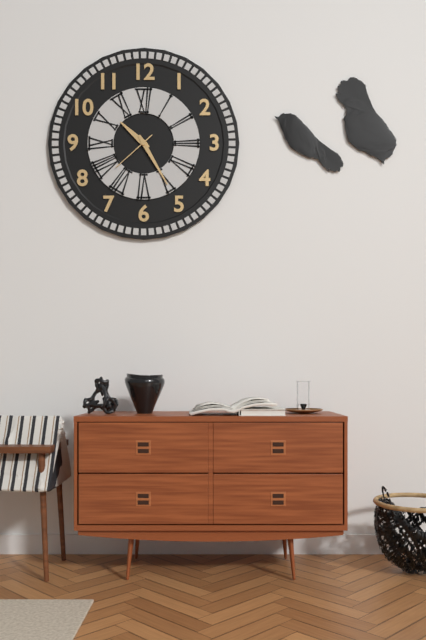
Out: 10,25
